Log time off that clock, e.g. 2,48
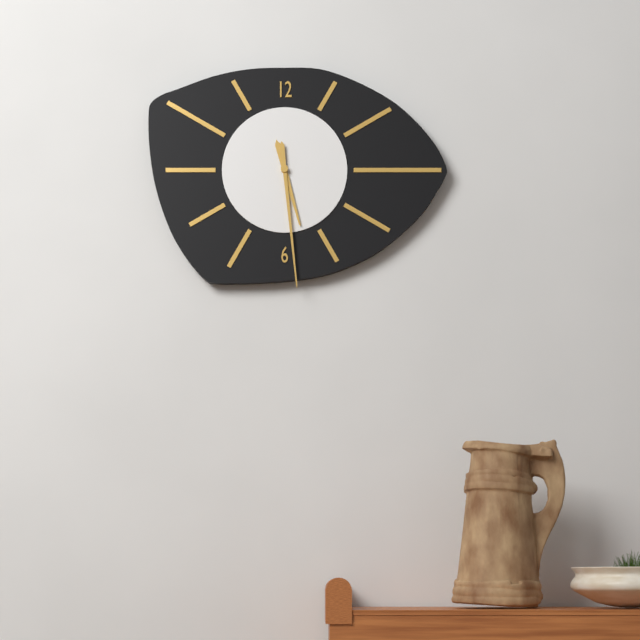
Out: 5,29
